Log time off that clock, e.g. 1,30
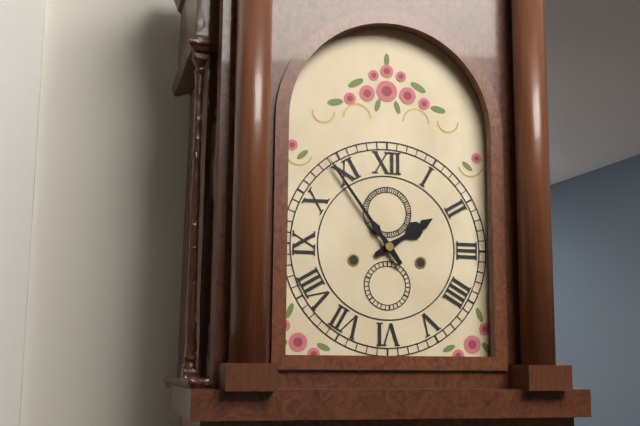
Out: 1,54
